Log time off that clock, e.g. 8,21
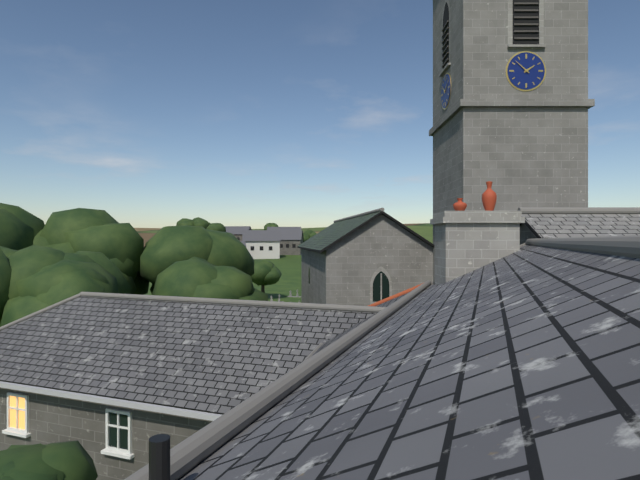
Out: 1,52
